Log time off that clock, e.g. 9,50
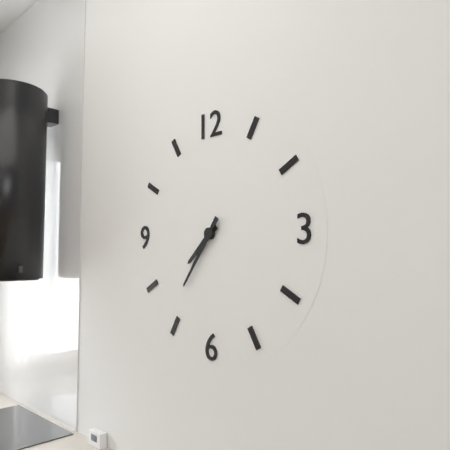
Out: 7,36
